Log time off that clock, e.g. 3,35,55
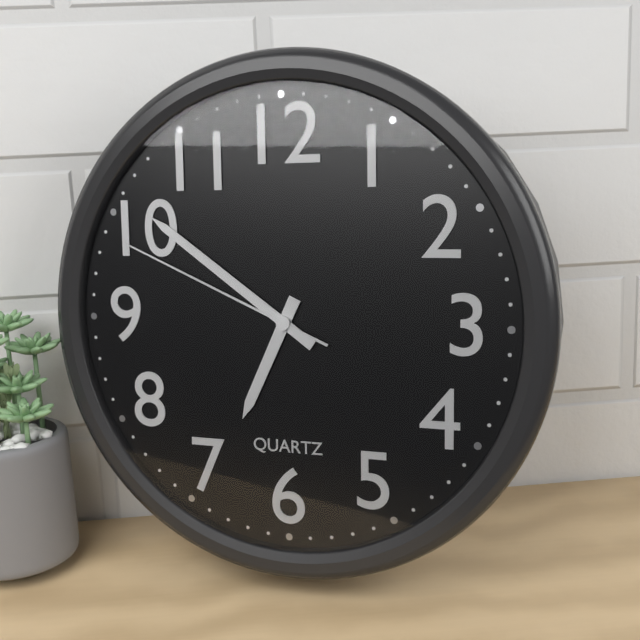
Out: 6,51,49
